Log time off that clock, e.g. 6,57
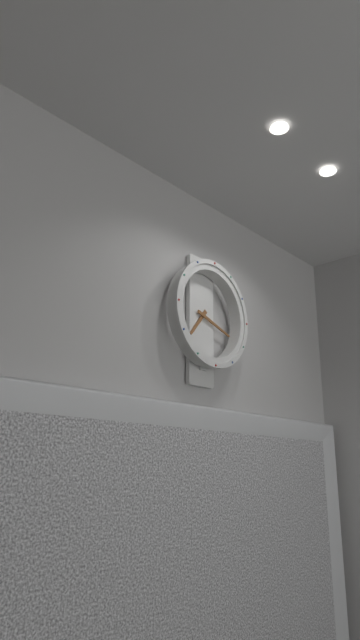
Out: 7,18
